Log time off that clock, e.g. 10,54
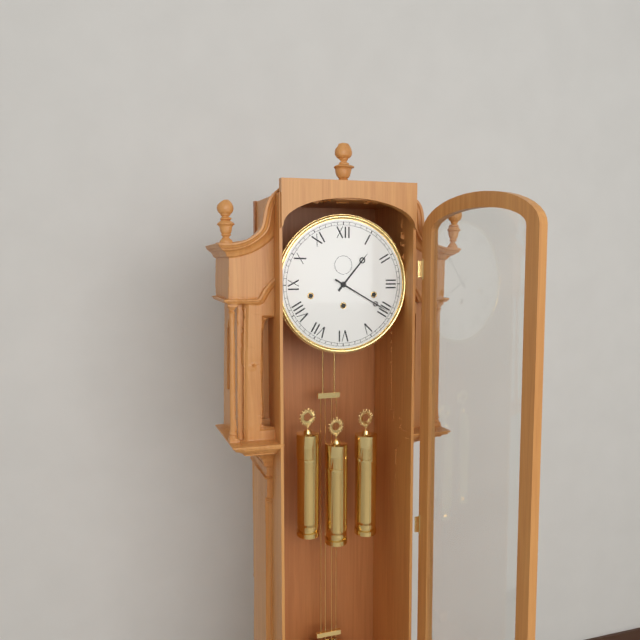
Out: 1,20
